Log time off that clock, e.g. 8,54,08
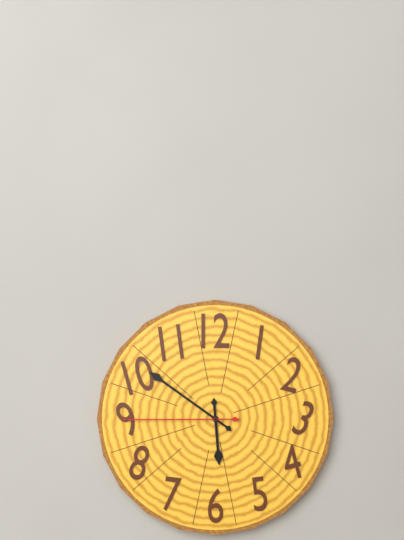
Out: 5,51,45
